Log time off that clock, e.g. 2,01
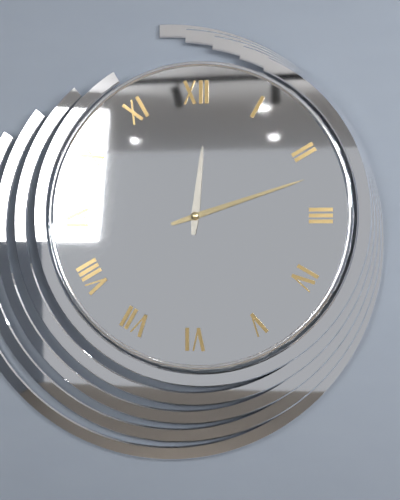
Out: 12,12
